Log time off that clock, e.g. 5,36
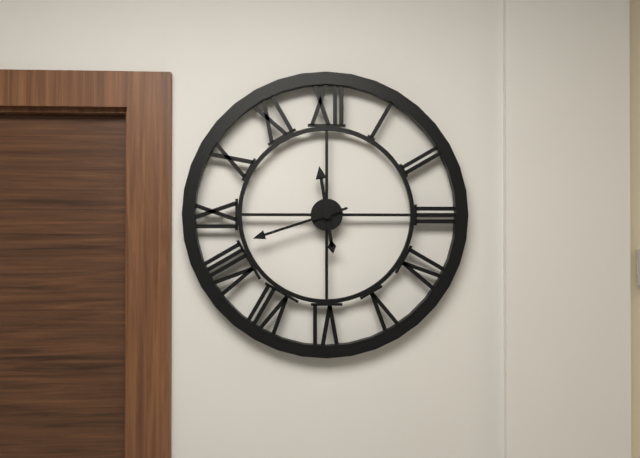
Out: 11,42
